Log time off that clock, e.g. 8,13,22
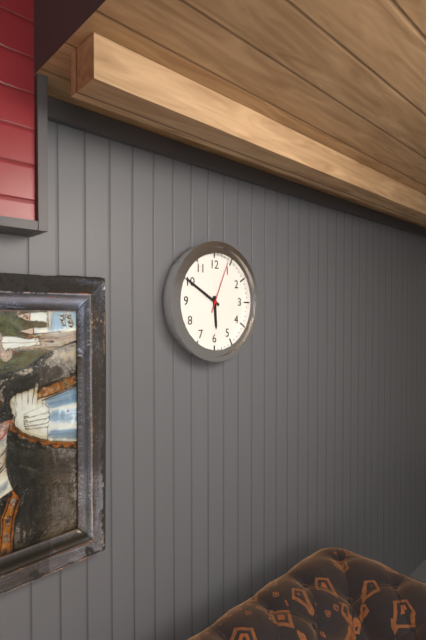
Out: 5,50,04
